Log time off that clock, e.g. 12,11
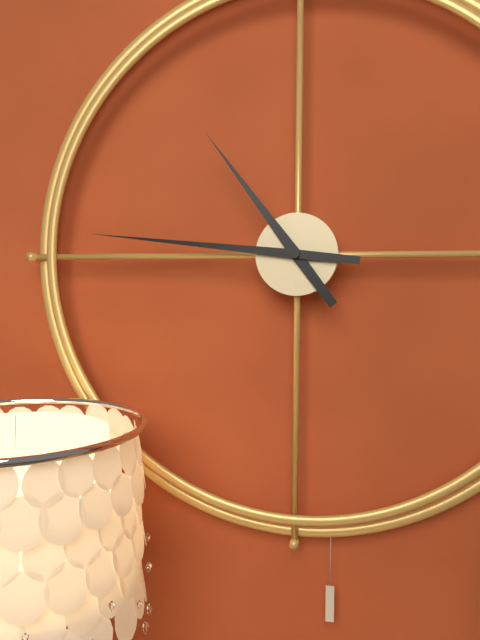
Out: 10,46
